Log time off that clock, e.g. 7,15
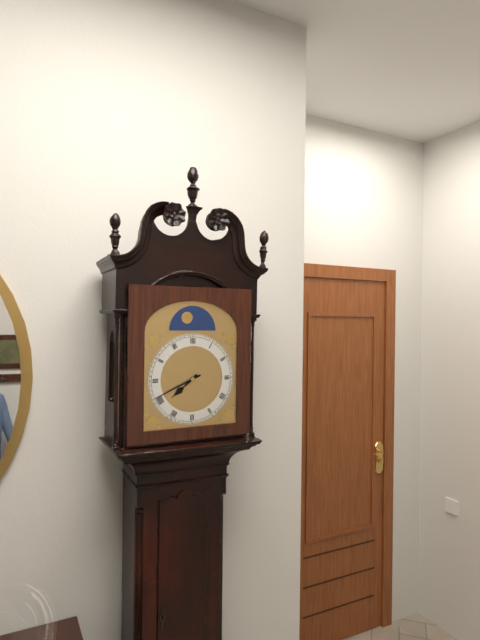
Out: 7,41
